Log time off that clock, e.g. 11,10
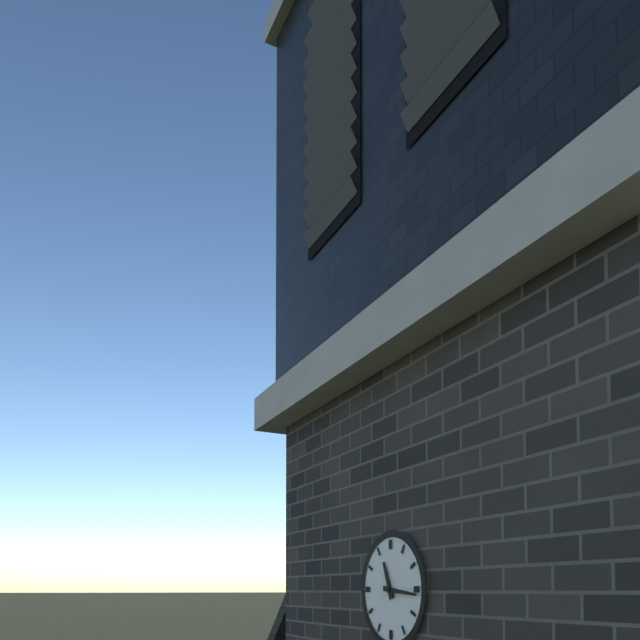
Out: 11,16
